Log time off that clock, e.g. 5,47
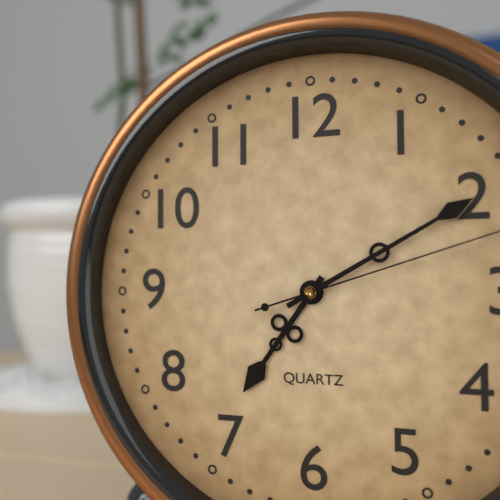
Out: 7,10
